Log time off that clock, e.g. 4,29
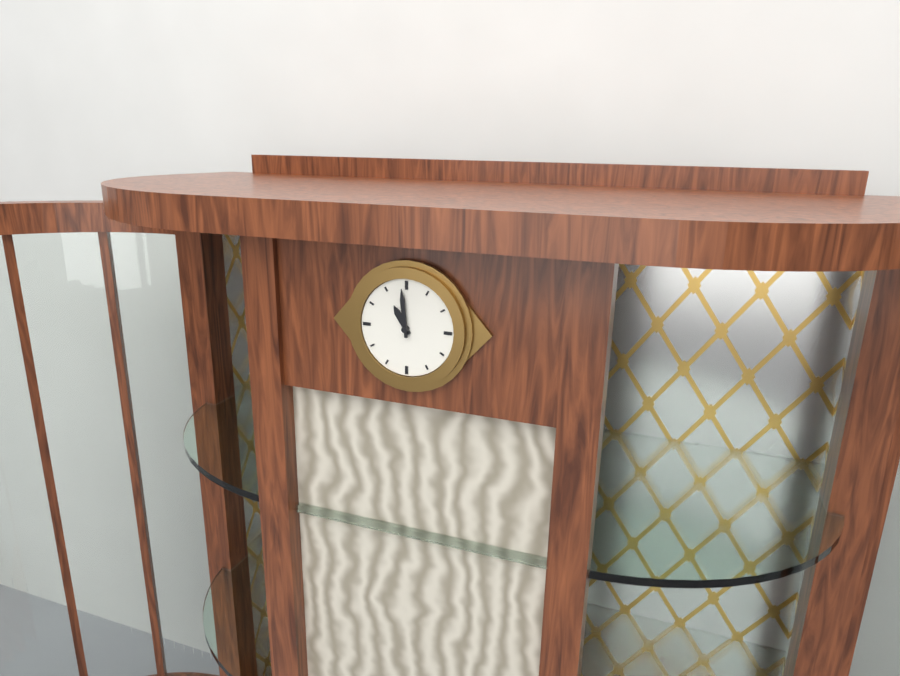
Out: 10,59
